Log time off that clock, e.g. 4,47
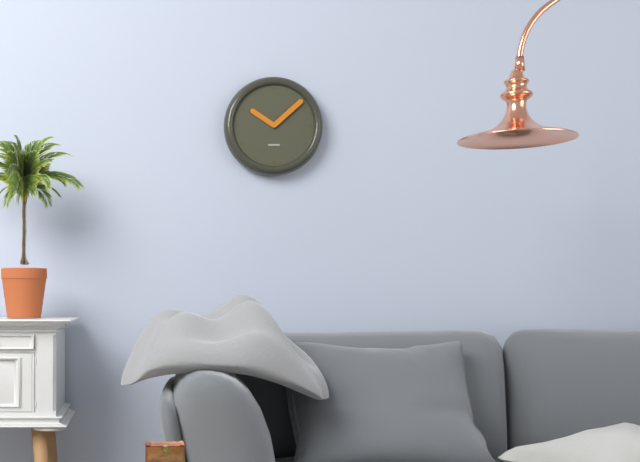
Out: 10,08
